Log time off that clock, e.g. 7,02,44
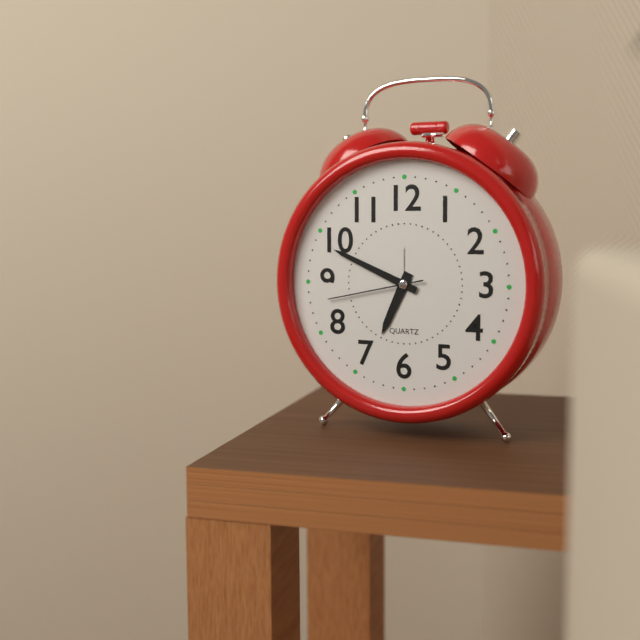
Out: 6,49,43
